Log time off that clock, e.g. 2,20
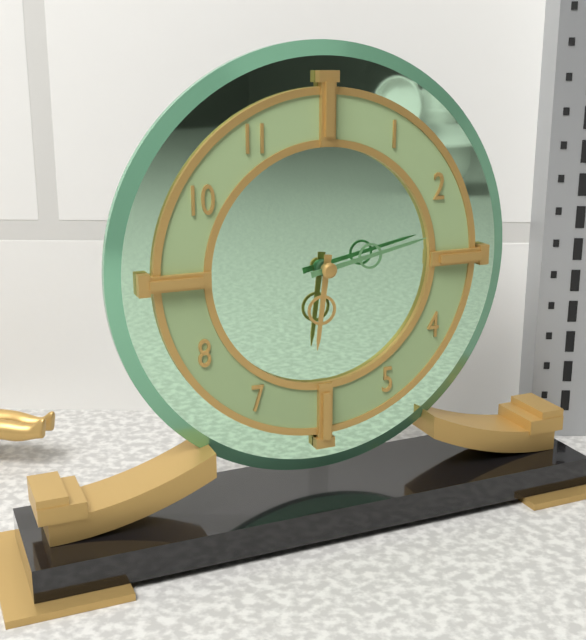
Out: 6,13
